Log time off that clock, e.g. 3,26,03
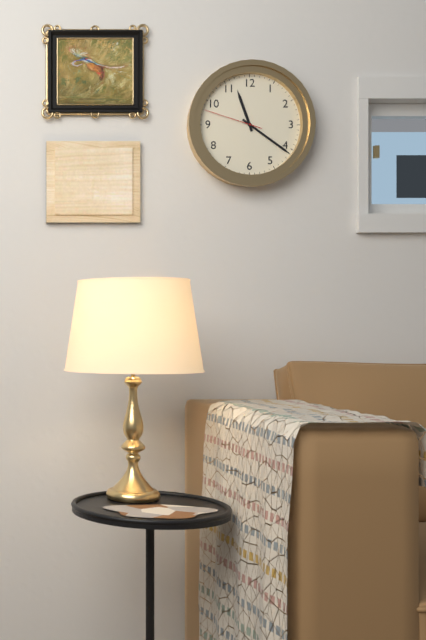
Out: 11,21,48
